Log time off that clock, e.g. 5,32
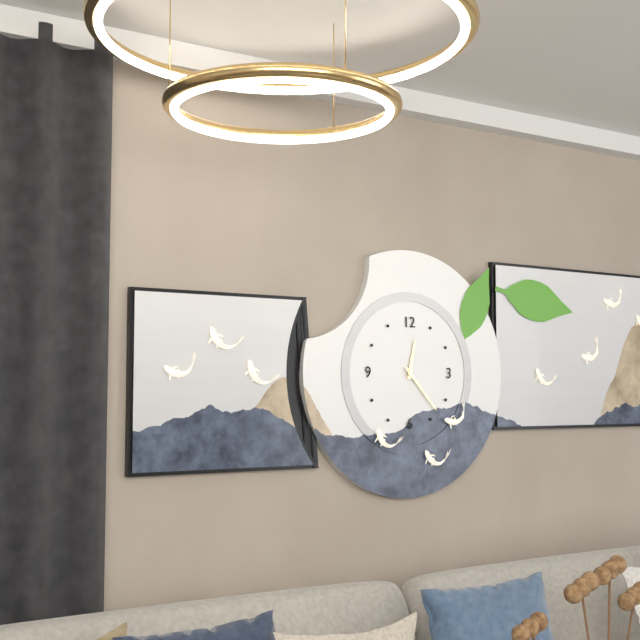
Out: 12,23
